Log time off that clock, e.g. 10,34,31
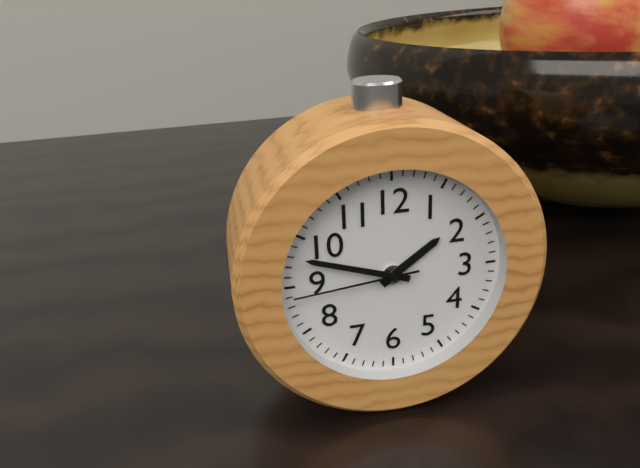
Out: 1,48,44
